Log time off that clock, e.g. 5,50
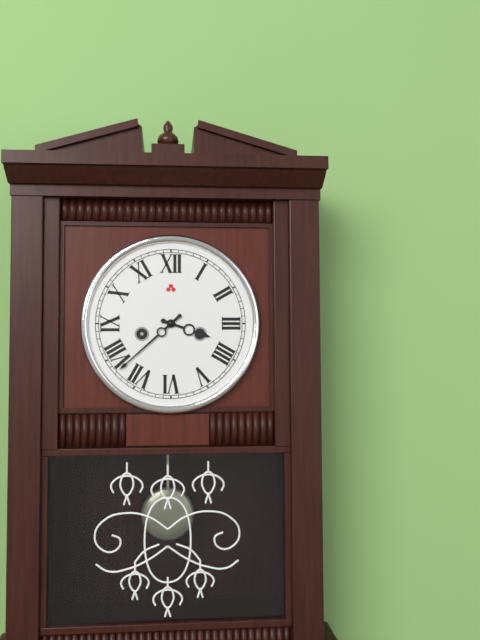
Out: 3,38
